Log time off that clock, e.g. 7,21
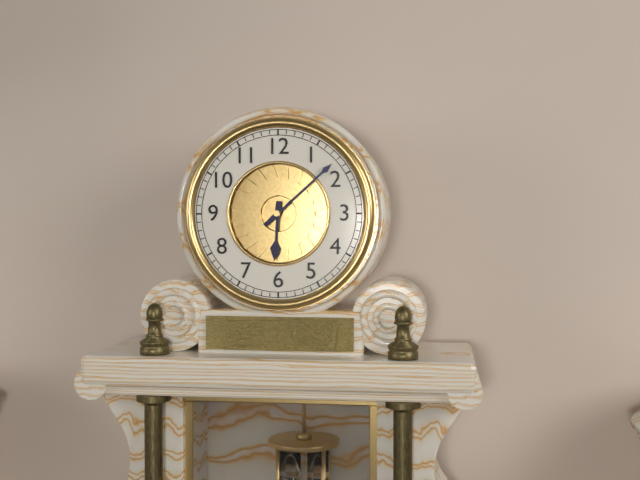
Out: 6,08
